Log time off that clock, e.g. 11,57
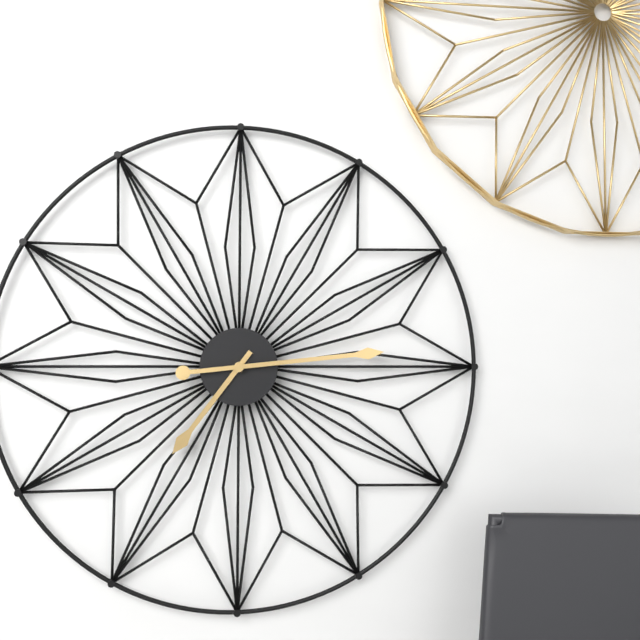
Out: 7,14
